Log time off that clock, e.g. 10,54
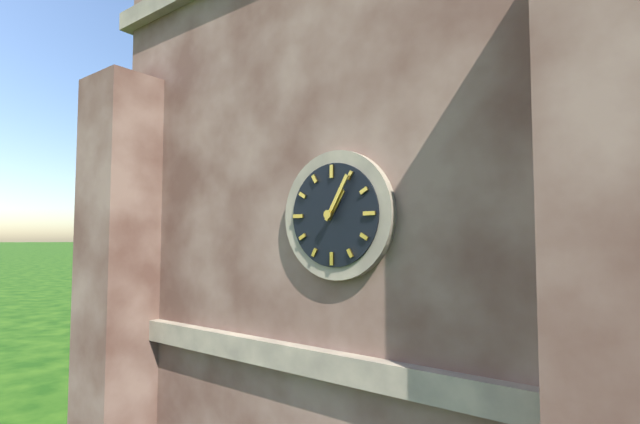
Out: 1,05
